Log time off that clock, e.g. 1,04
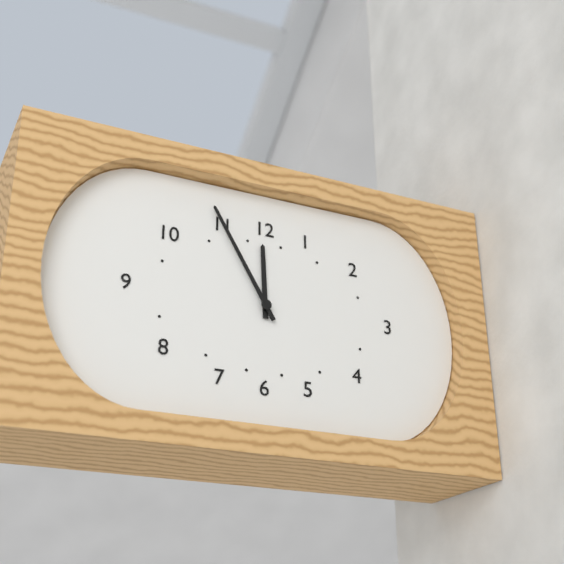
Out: 11,55
